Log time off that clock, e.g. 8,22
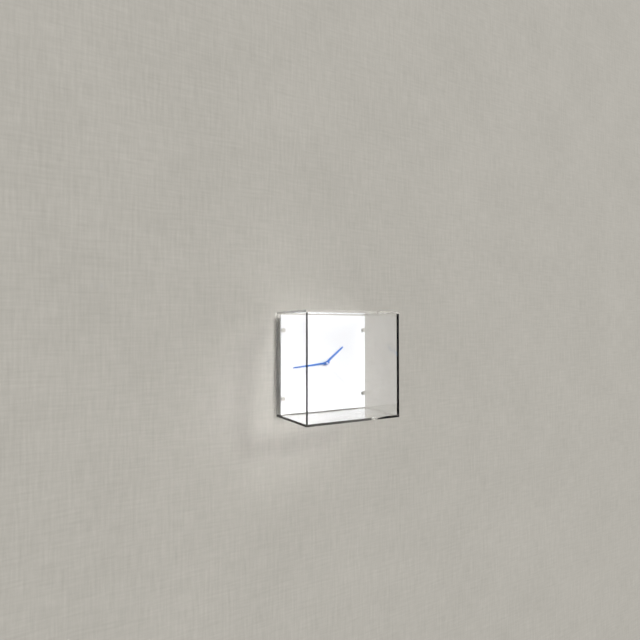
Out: 1,44
